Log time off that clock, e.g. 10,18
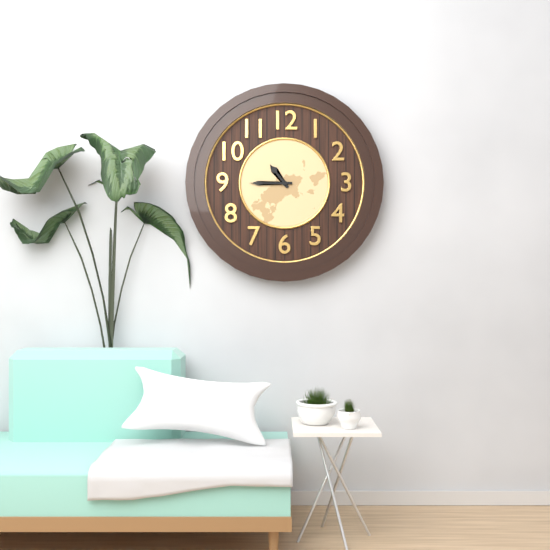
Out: 10,45
